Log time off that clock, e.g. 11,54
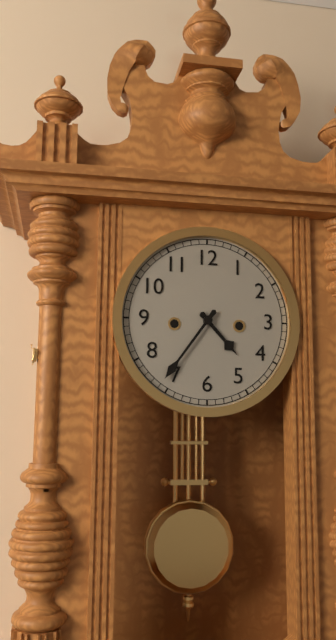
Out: 4,36
